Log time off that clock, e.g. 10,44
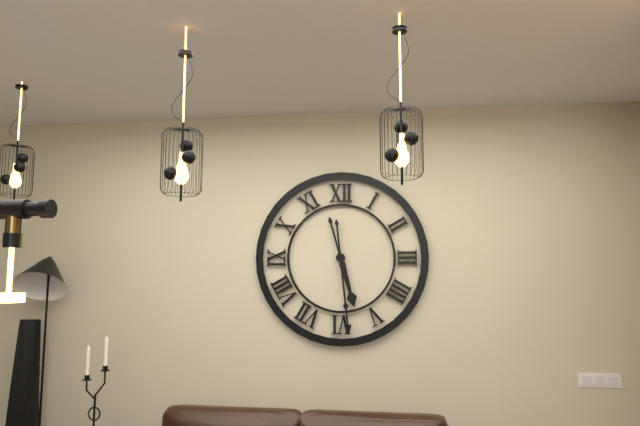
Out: 5,29
